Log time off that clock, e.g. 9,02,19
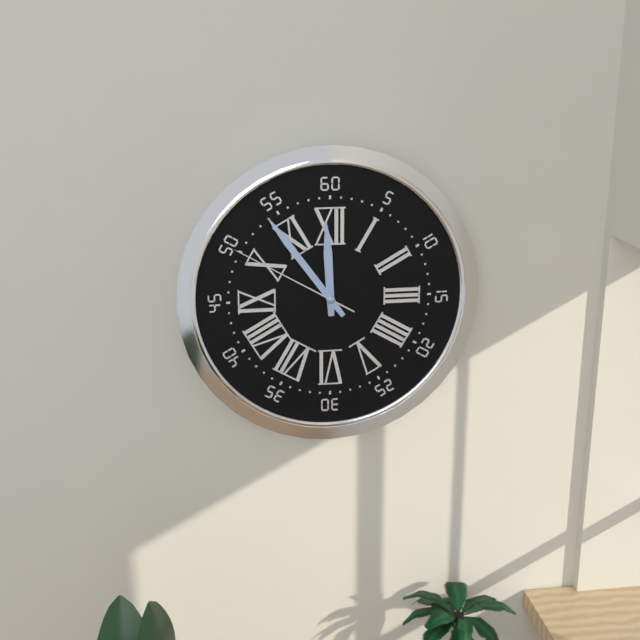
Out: 11,54,50
